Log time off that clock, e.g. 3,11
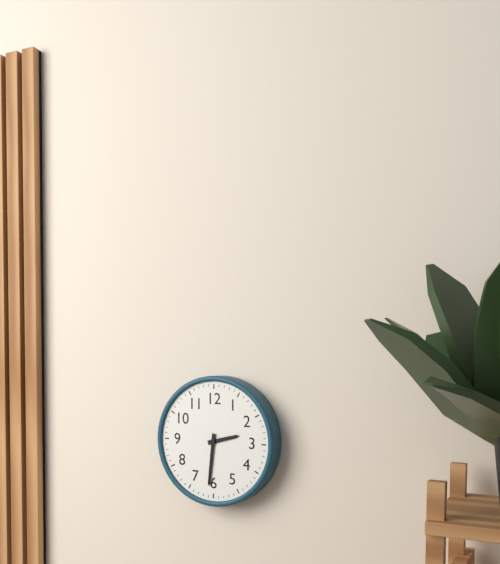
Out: 2,31
